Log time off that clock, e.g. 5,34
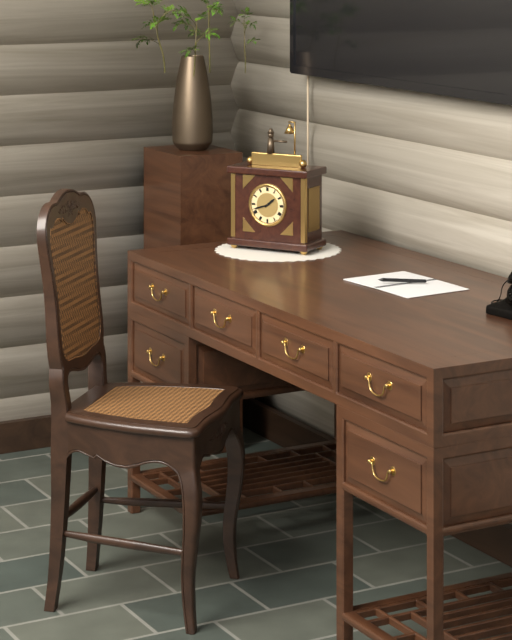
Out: 1,42
